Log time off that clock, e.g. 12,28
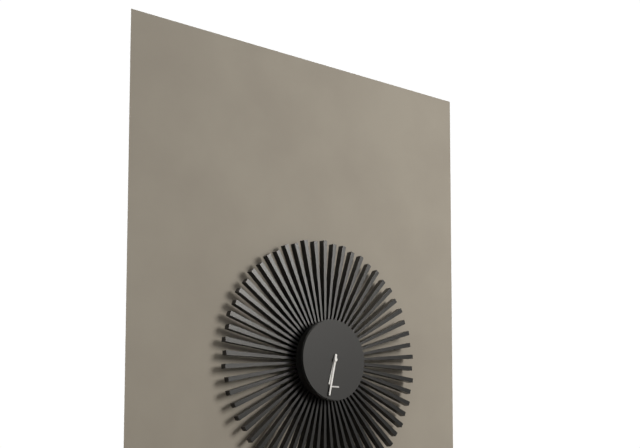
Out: 6,32
